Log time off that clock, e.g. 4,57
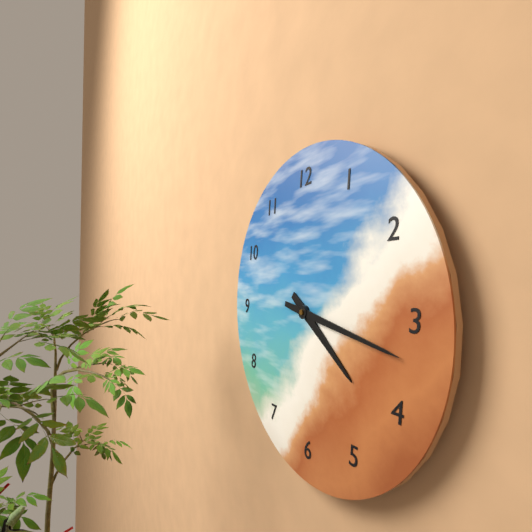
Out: 4,17
